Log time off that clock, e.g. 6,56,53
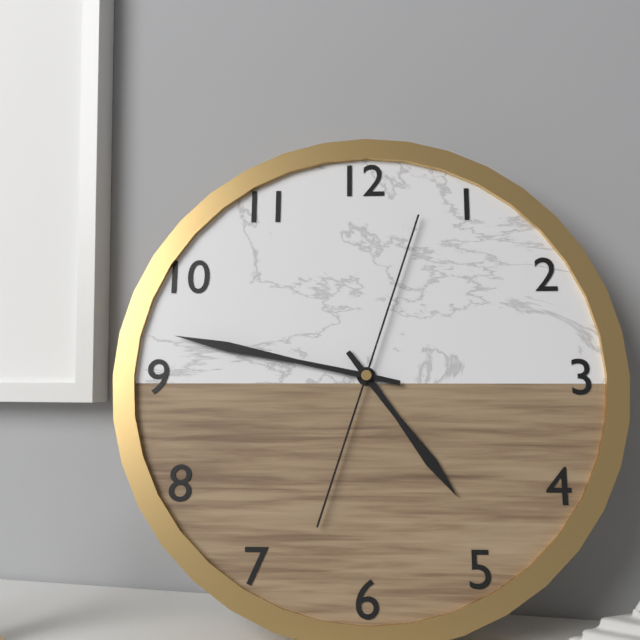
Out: 4,47,03
